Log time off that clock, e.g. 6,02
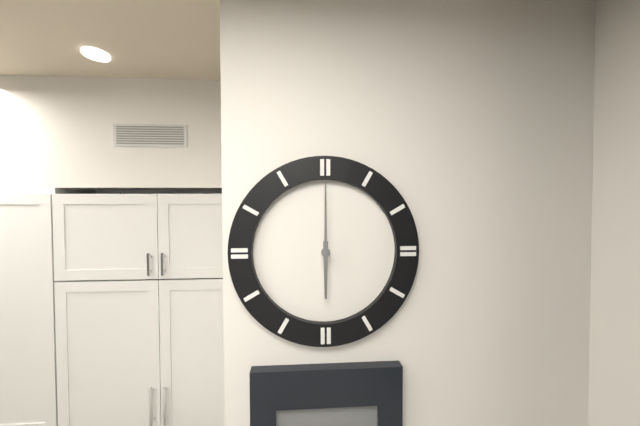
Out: 6,00
